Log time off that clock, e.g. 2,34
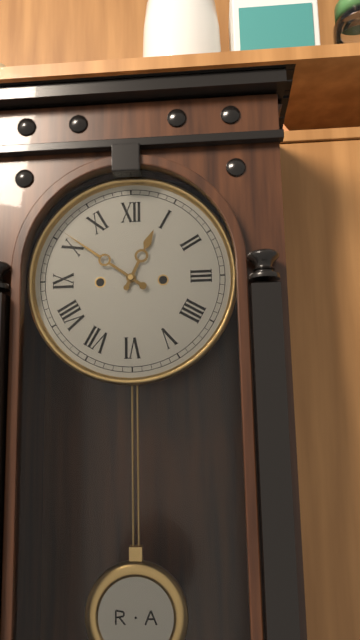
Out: 12,51
